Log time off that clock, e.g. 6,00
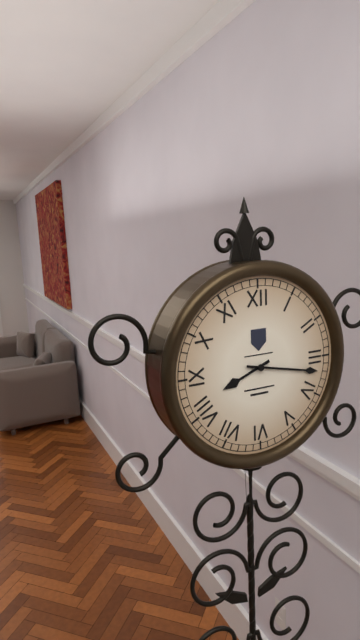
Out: 8,17
